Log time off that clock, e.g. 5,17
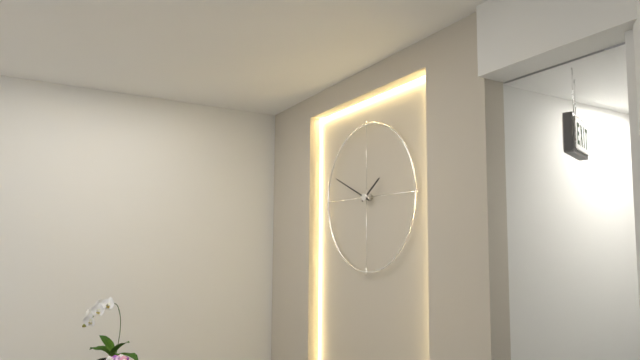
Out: 1,49
